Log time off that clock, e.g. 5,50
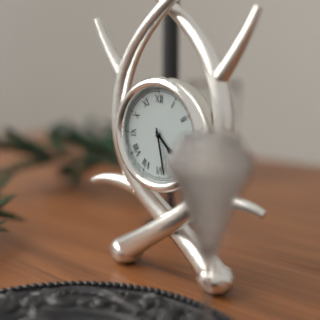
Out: 4,28
